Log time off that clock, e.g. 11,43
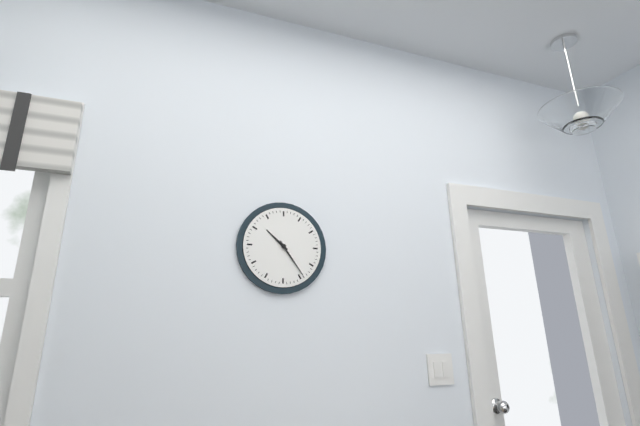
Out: 10,24
